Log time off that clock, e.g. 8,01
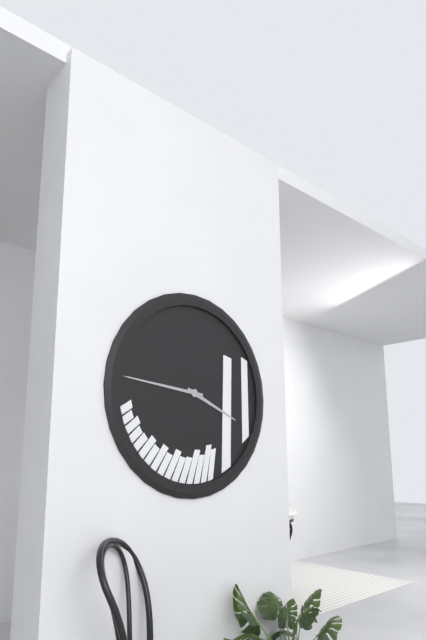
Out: 3,46
